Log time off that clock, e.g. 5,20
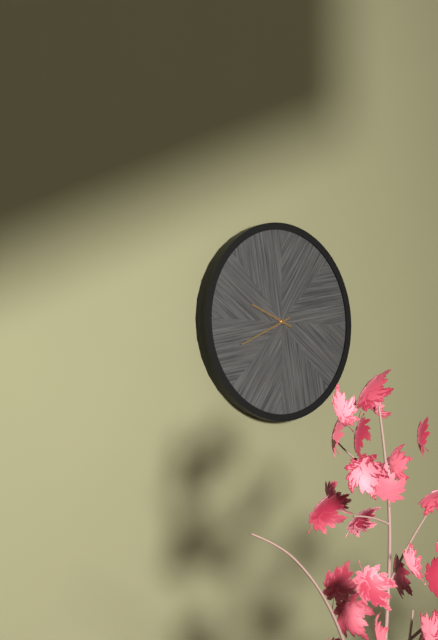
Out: 9,41
